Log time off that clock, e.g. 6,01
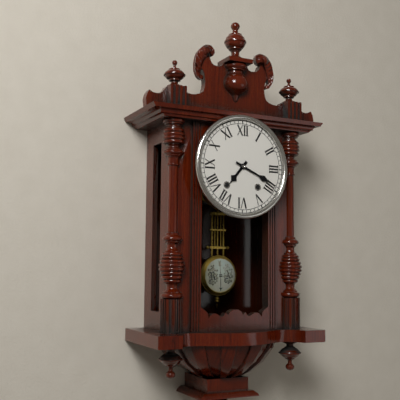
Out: 7,19
